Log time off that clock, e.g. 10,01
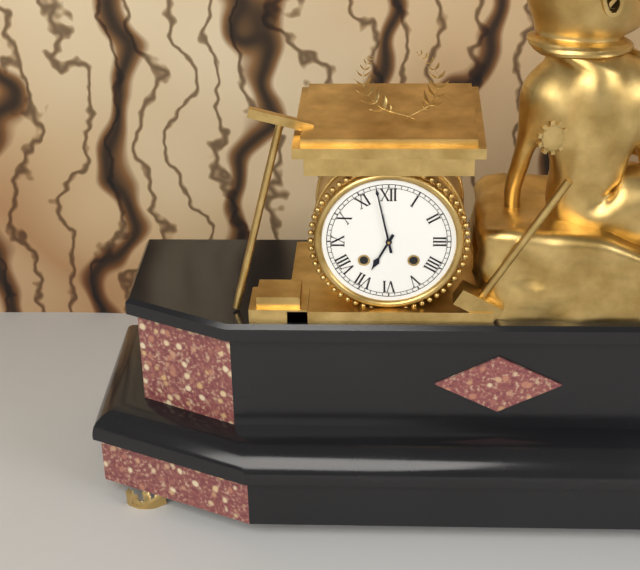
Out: 6,58
